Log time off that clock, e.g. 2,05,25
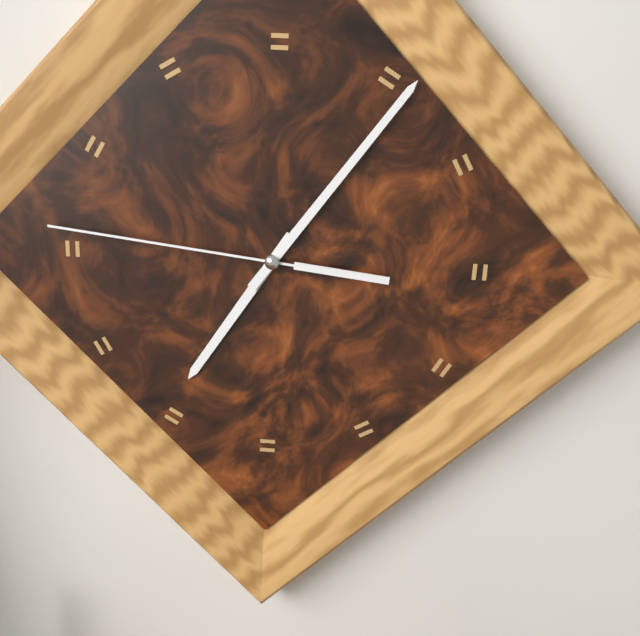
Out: 7,06,46
